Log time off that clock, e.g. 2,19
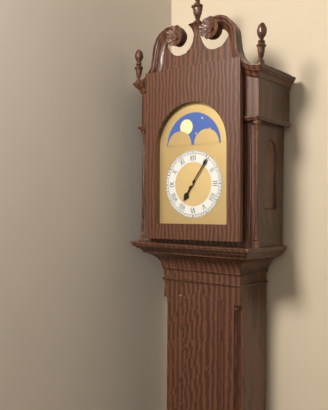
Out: 7,06
